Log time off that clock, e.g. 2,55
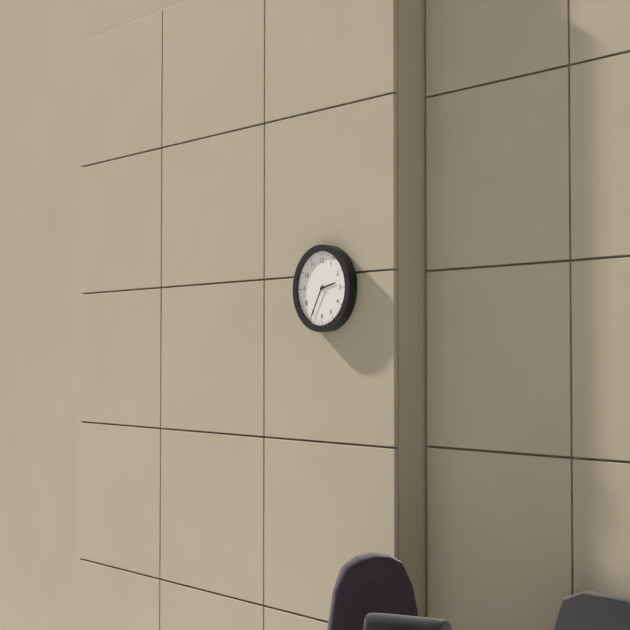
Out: 2,35
